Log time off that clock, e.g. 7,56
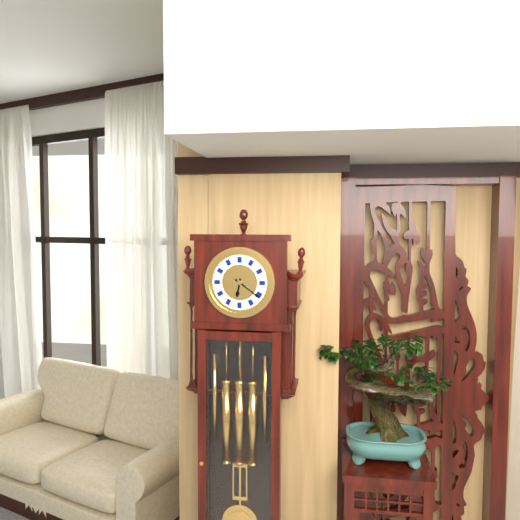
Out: 6,21
